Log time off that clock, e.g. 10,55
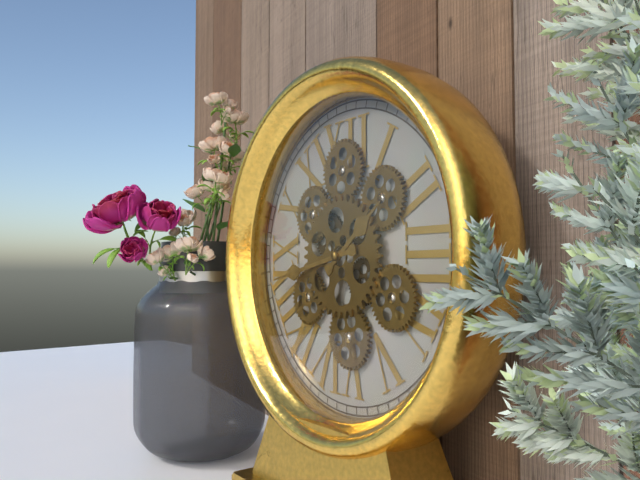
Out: 1,43
